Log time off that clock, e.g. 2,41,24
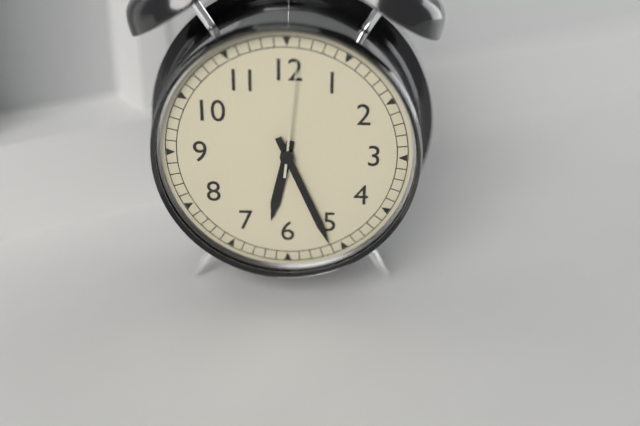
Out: 6,26,01
